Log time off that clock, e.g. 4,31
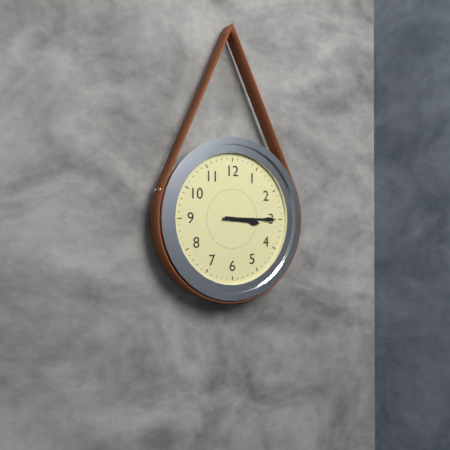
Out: 3,15
